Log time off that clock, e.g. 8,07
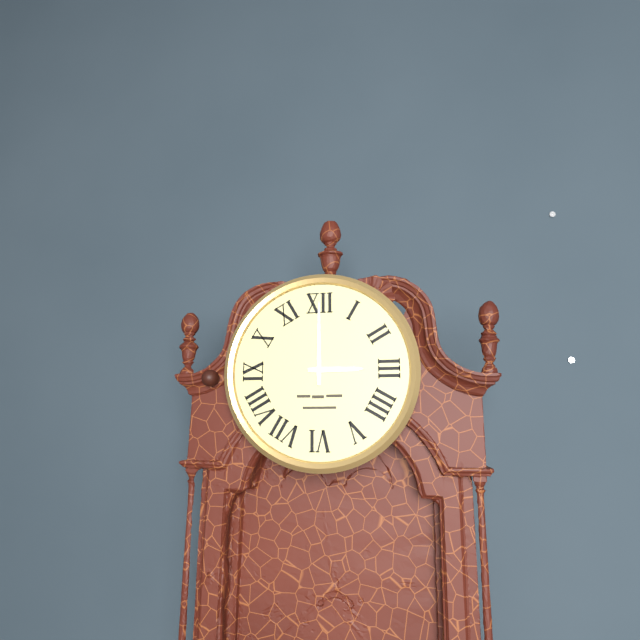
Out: 3,00
